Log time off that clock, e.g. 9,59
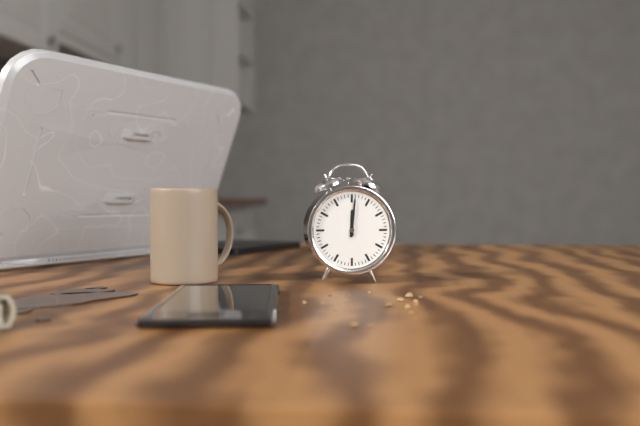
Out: 12,01
